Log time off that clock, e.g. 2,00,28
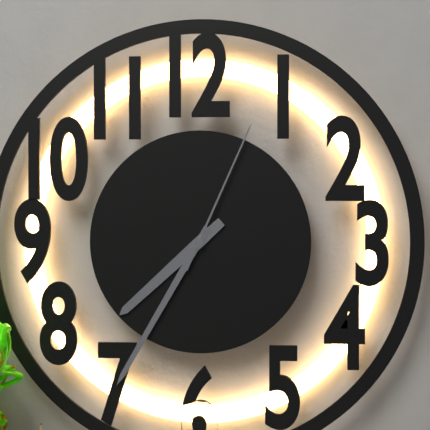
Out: 7,35,04
